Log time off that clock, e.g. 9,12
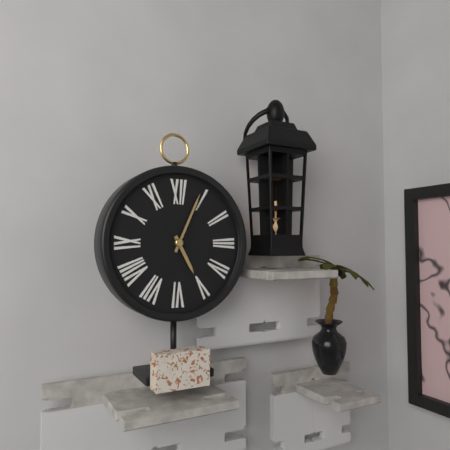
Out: 5,04
